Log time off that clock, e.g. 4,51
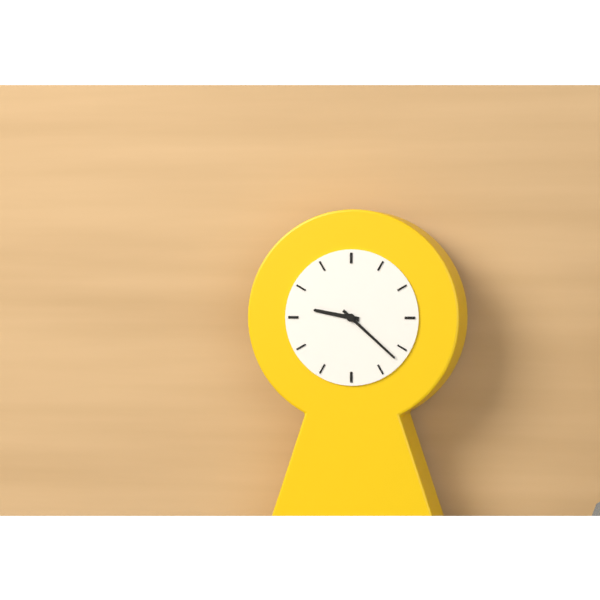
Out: 9,22
